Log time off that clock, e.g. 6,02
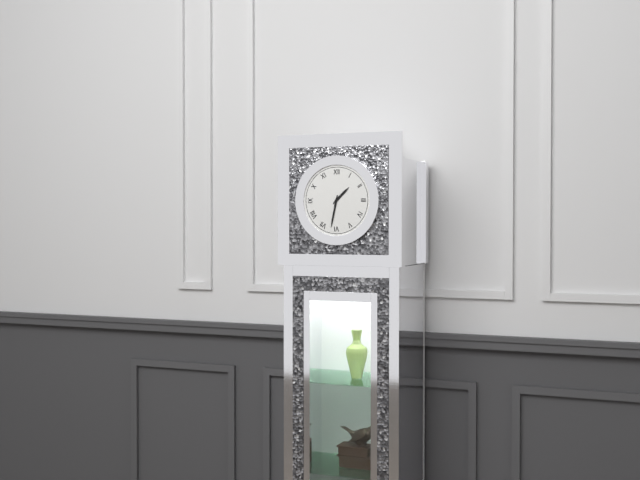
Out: 1,32
